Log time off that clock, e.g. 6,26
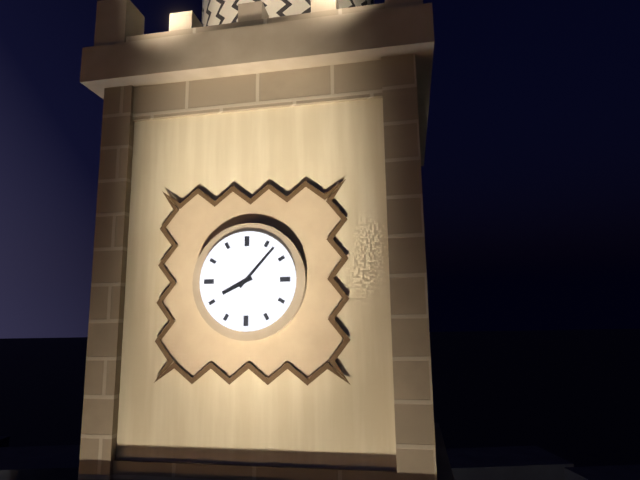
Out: 8,07
